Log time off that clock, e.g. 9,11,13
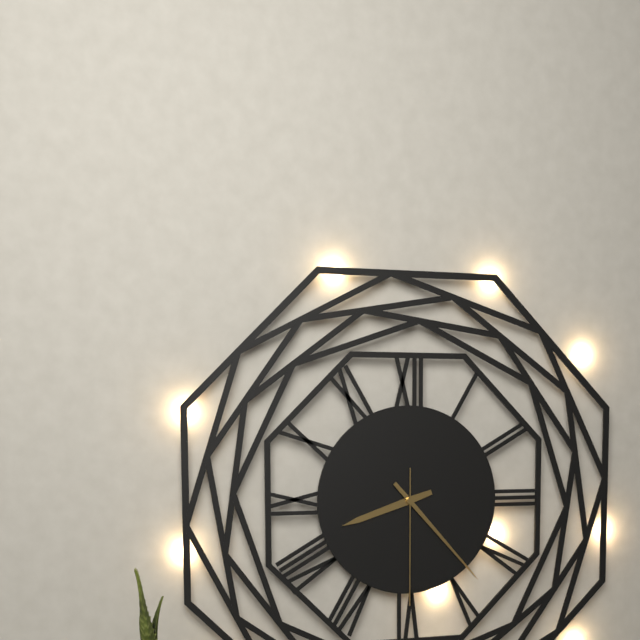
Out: 8,23,30
